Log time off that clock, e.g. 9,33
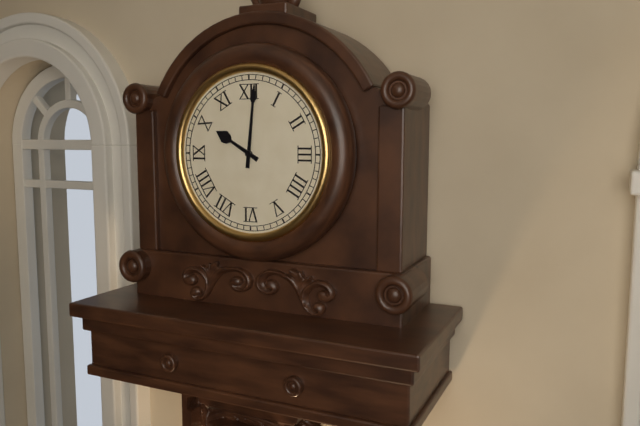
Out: 10,01
